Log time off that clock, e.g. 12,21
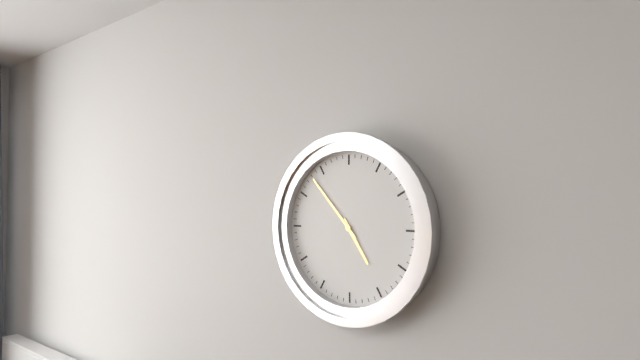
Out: 4,53
